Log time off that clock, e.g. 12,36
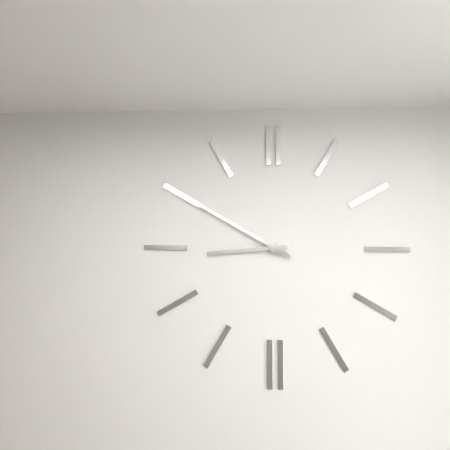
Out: 8,50
